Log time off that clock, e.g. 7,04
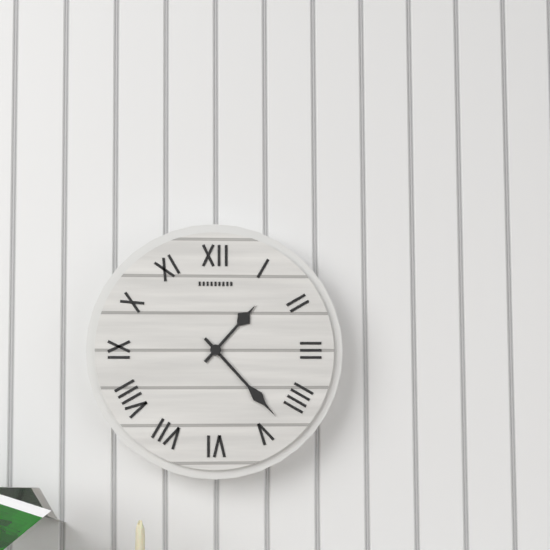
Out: 1,23
